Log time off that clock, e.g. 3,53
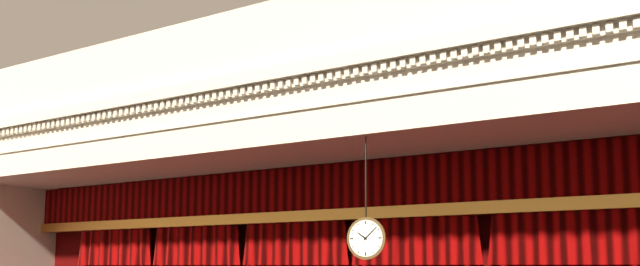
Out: 10,08
